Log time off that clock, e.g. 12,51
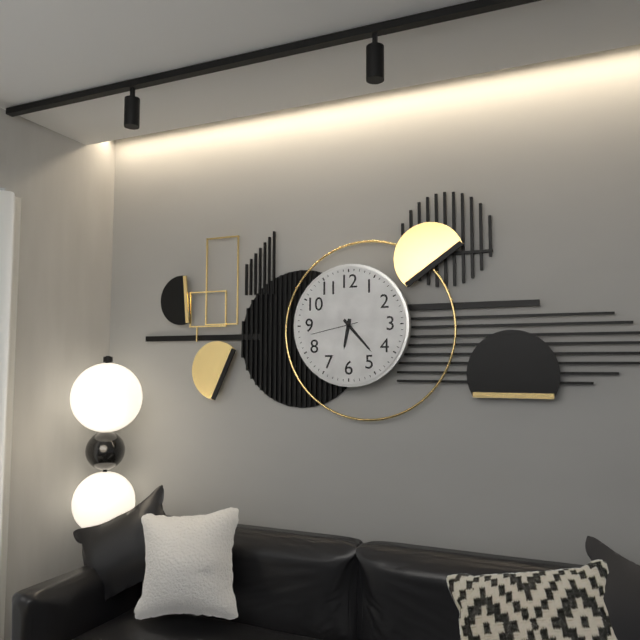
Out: 6,23
